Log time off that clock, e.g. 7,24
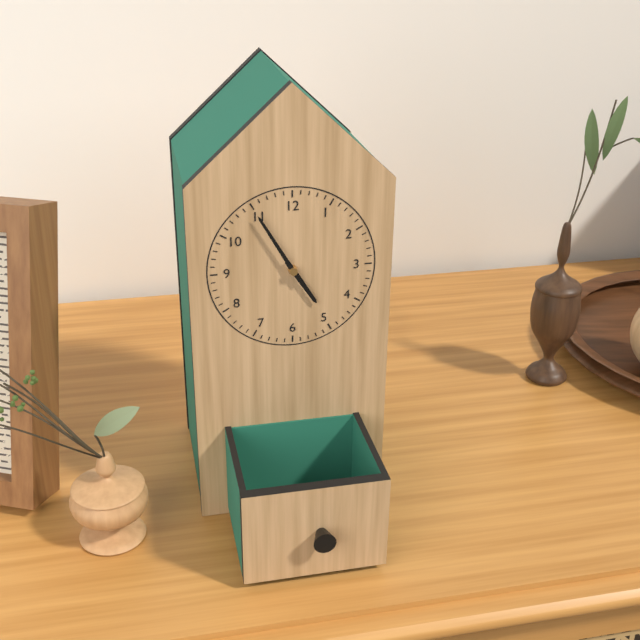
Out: 4,55
